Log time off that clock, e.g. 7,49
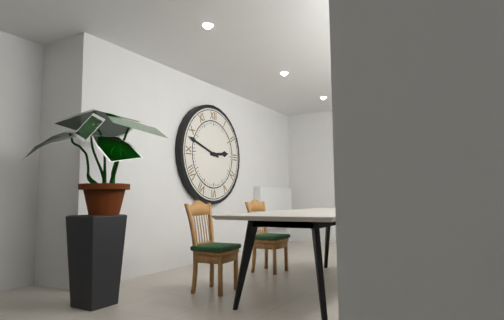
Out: 2,48
